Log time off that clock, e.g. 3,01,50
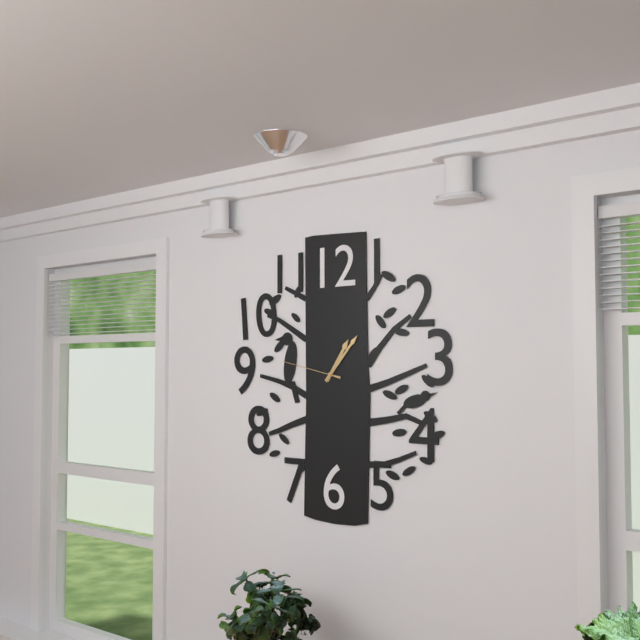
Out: 1,07,47
